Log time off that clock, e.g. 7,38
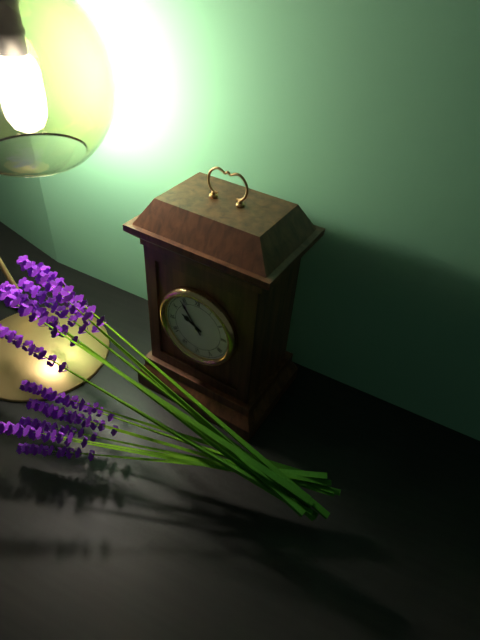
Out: 9,54
